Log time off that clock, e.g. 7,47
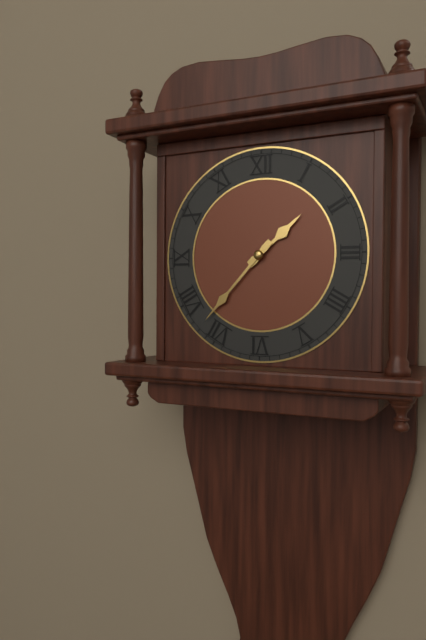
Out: 1,37
